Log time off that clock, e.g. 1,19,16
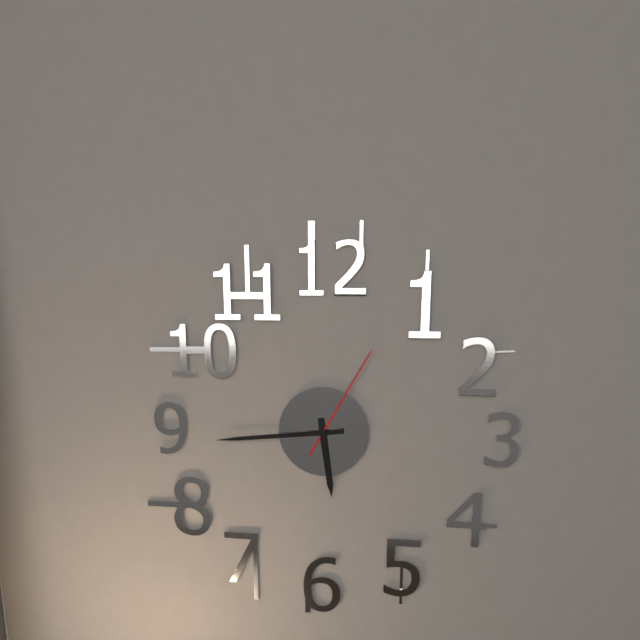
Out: 5,44,05
